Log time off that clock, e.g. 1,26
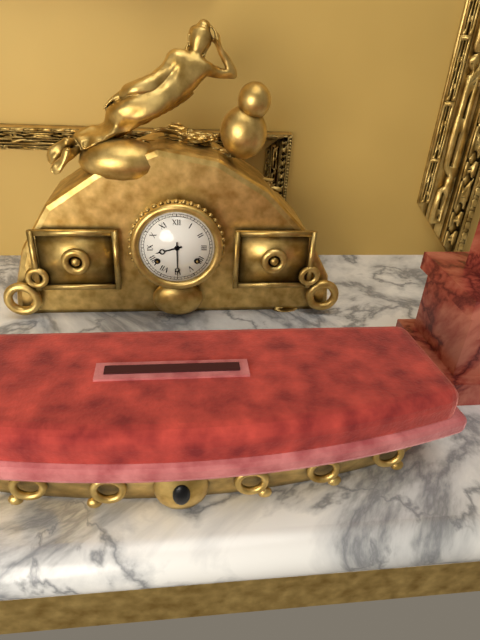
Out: 8,30
